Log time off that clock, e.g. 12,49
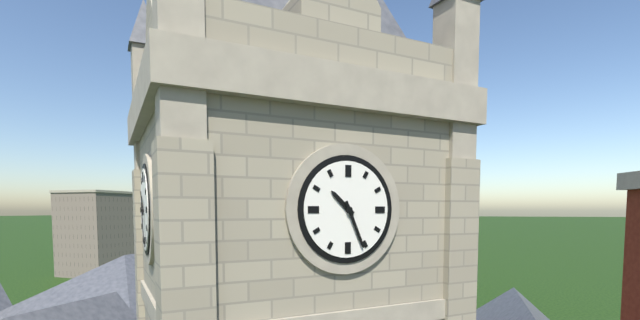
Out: 10,26
